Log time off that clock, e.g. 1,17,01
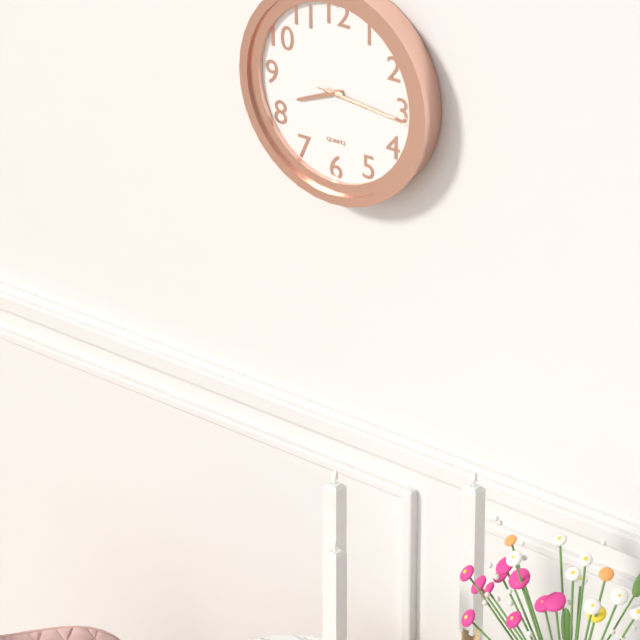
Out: 8,16,16
